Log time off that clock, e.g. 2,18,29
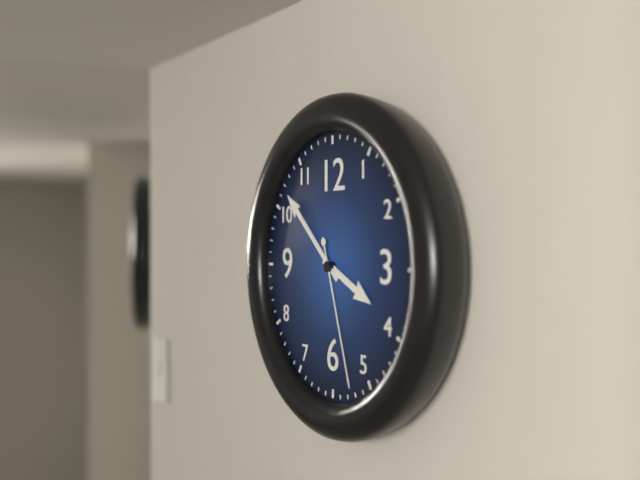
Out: 3,52,27
